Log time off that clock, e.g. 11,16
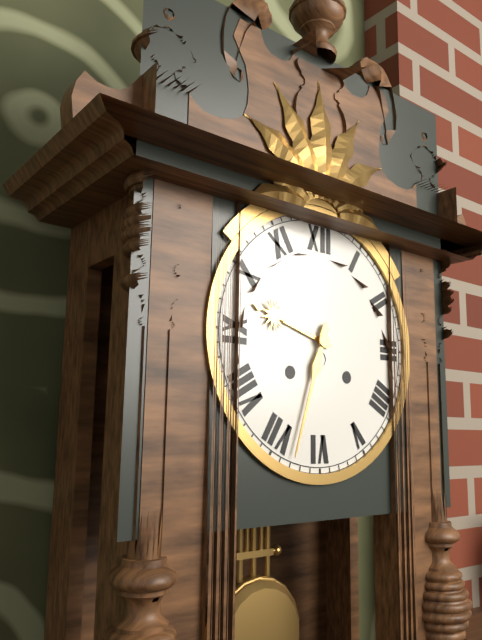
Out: 9,33
